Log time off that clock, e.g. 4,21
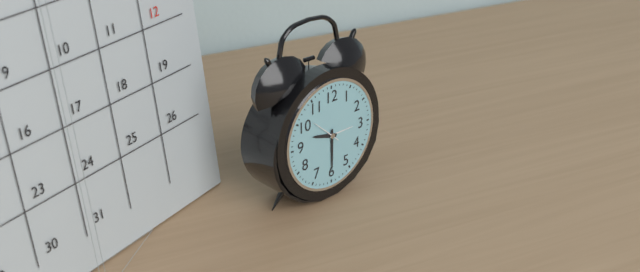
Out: 9,30
